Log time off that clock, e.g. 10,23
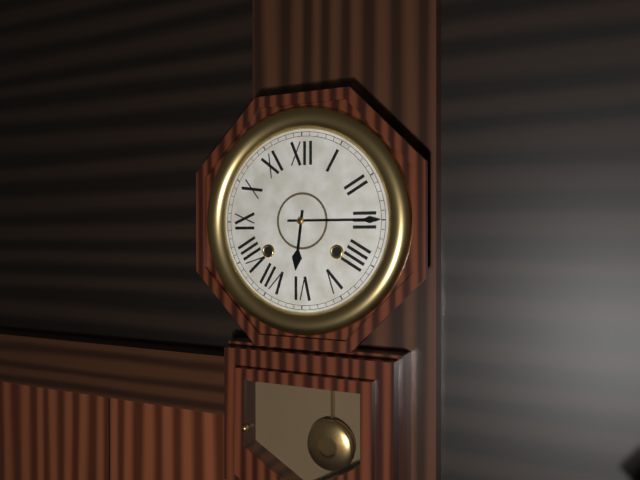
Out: 6,15
